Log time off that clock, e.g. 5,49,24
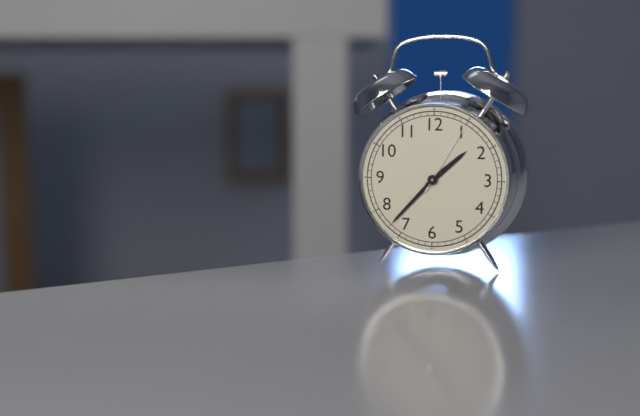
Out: 1,37,05
